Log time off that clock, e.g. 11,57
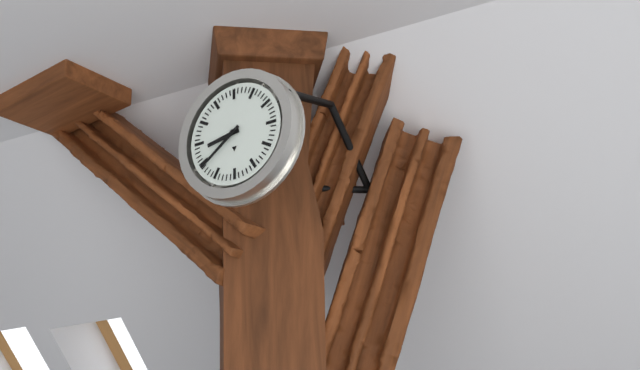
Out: 8,39
